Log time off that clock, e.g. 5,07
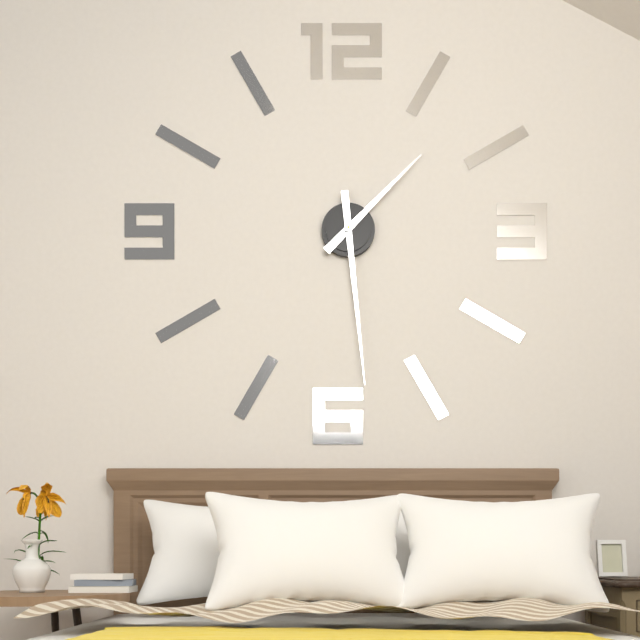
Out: 1,29
